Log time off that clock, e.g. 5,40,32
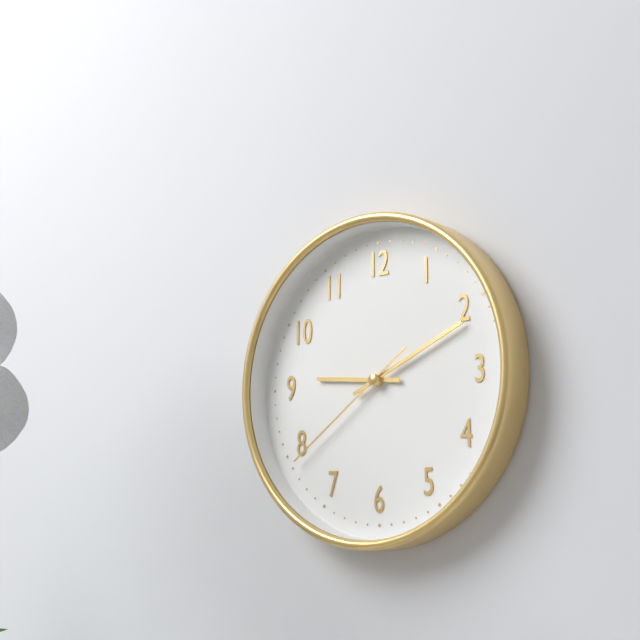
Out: 9,11,39
